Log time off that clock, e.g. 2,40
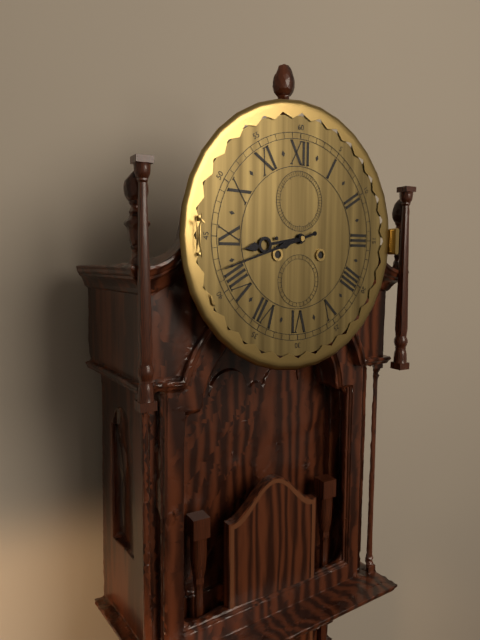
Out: 8,42
